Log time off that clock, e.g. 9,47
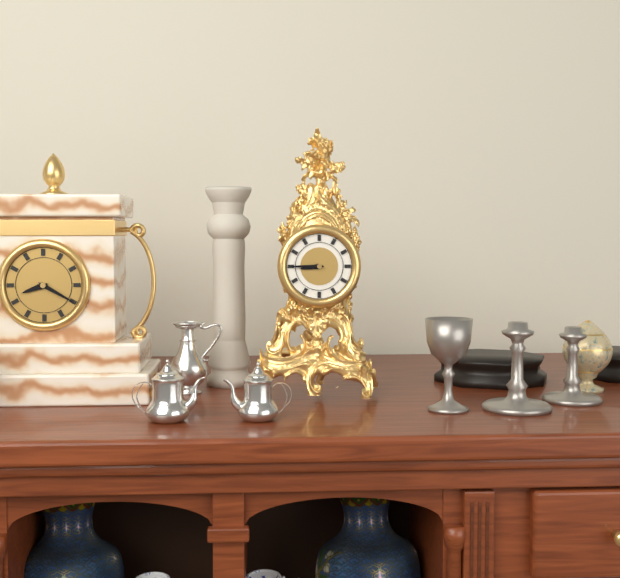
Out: 8,45
